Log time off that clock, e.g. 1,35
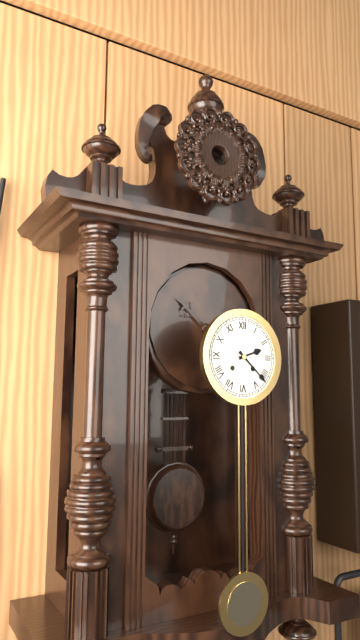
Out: 2,22
